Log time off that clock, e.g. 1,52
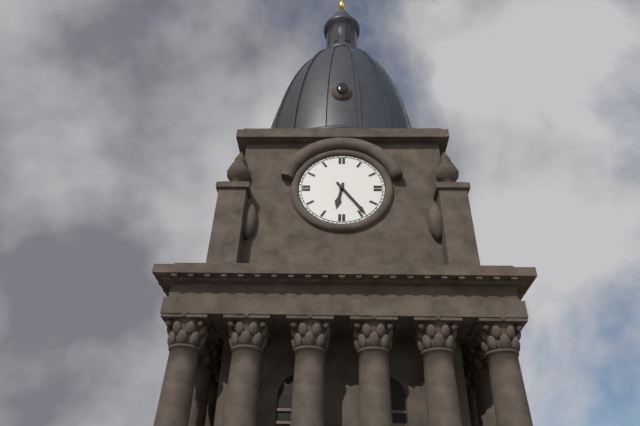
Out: 6,24
